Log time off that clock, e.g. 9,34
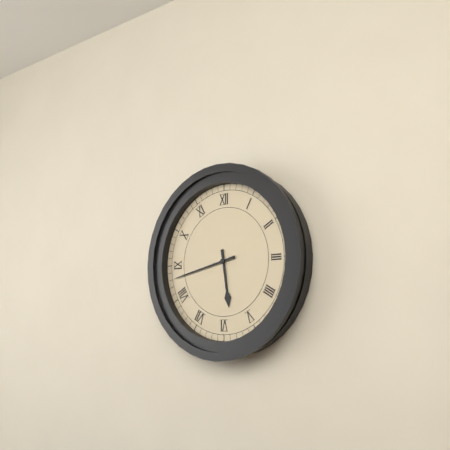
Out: 5,43
